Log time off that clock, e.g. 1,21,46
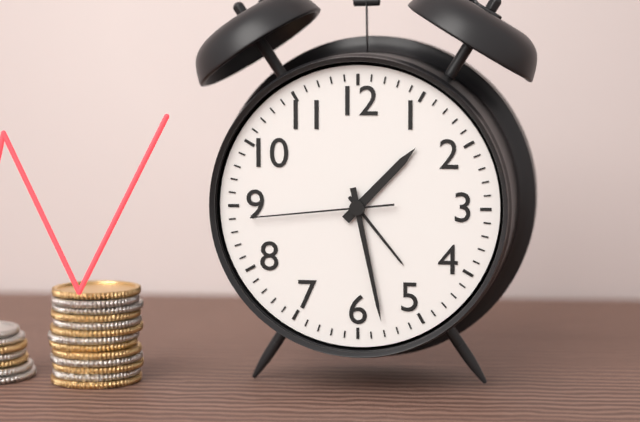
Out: 1,28,44
